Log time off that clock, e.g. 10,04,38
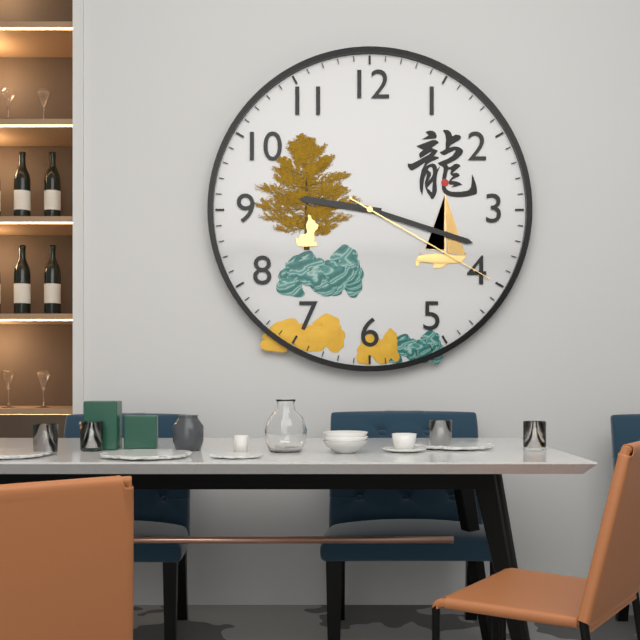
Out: 9,18,20
